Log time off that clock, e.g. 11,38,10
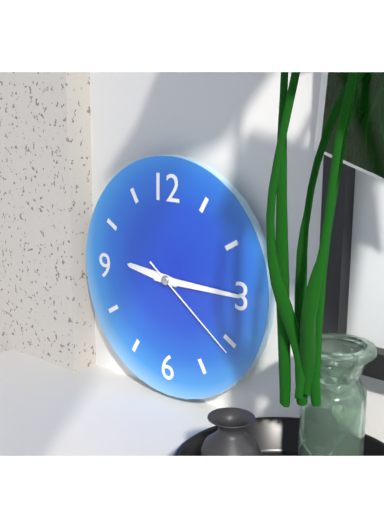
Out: 9,15,21
